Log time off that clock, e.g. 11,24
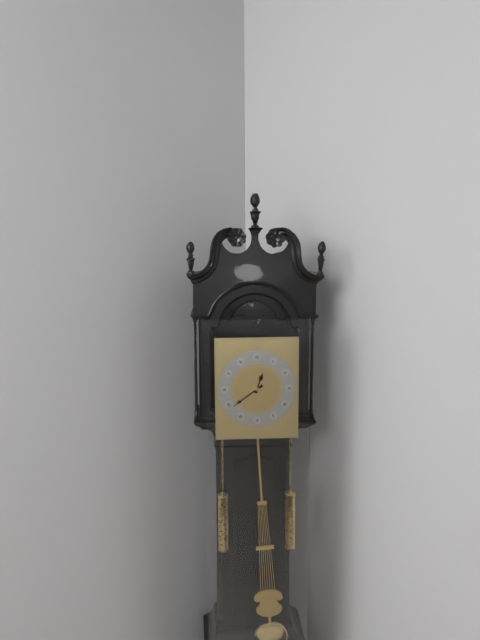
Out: 12,39
